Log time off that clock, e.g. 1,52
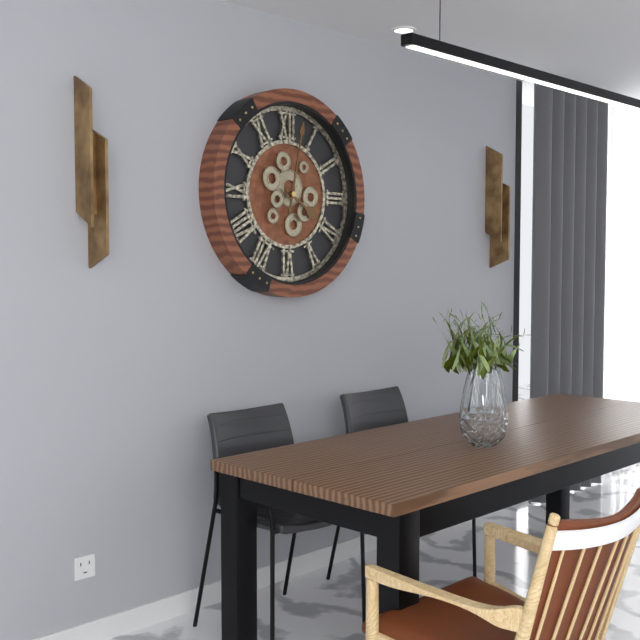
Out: 4,02
